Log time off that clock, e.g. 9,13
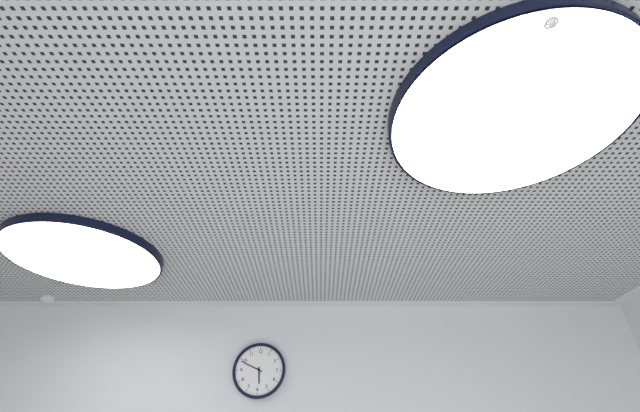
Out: 5,49
